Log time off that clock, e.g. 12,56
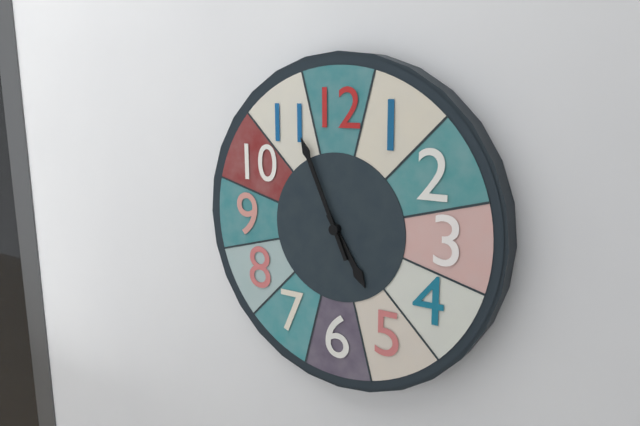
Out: 4,56
